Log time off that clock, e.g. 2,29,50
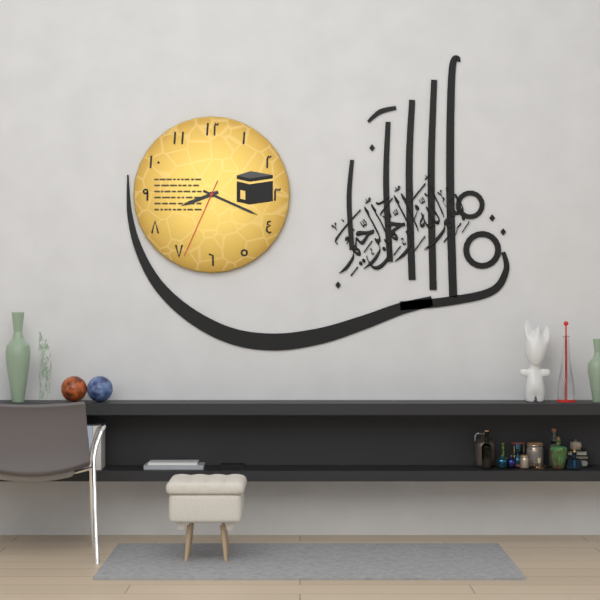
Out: 8,19,34
